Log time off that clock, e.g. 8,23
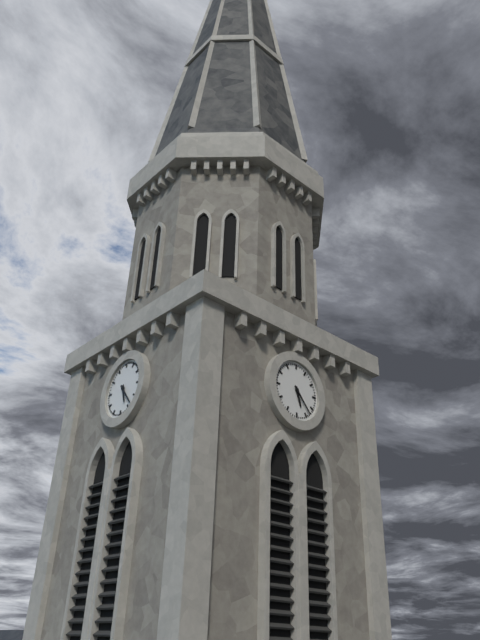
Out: 5,23
